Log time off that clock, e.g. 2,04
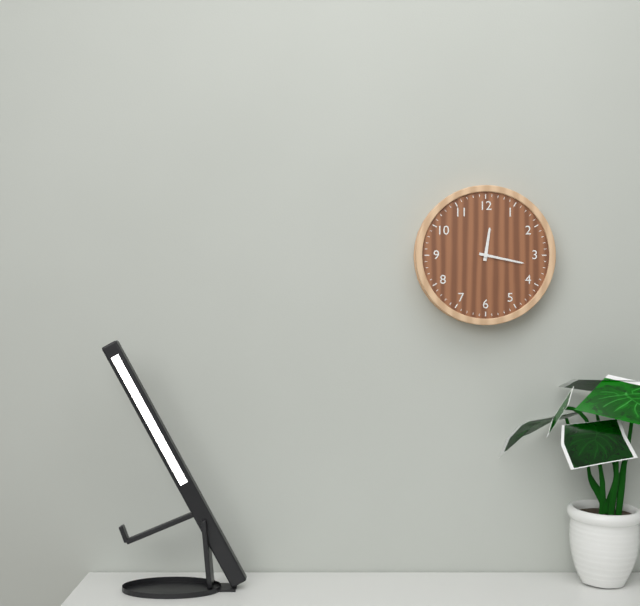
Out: 12,17
